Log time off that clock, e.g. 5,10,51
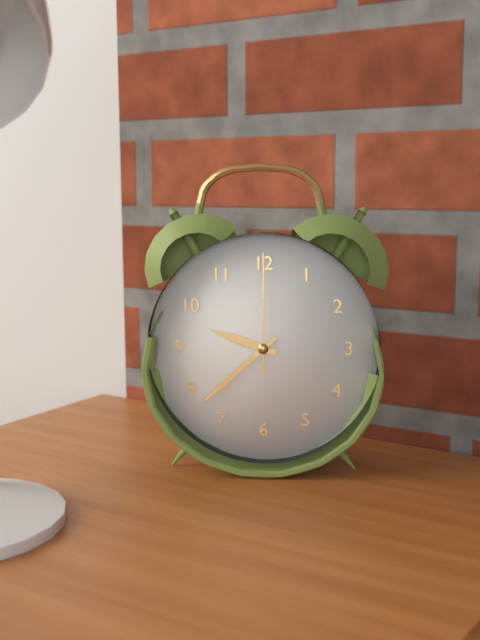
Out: 9,38,00
